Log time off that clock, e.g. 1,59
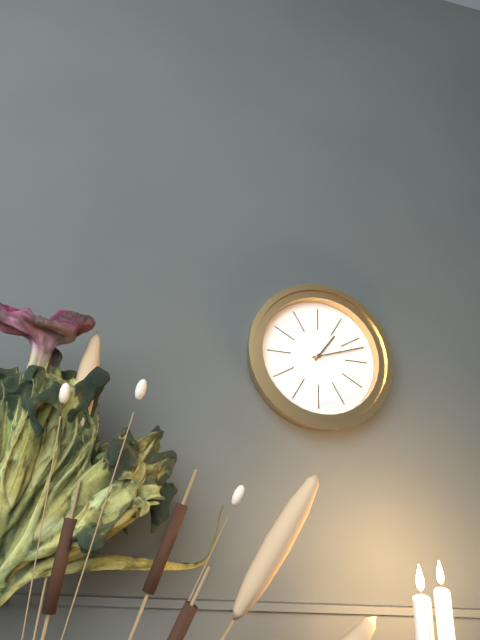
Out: 1,12
